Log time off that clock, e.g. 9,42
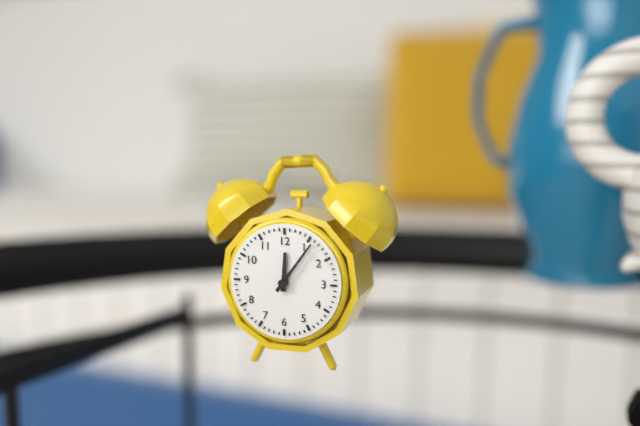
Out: 12,06
